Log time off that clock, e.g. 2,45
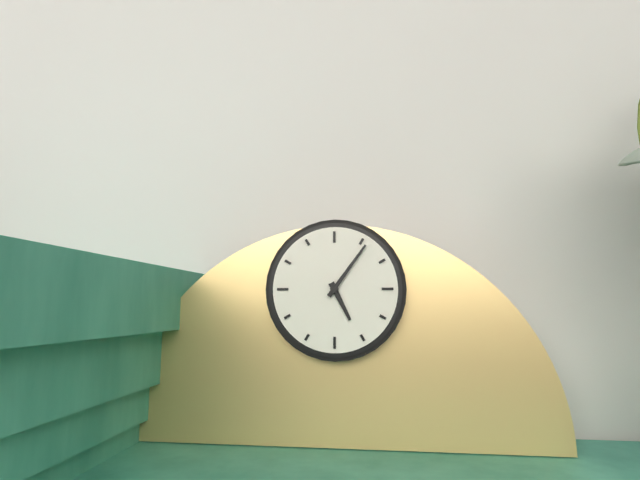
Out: 5,06
